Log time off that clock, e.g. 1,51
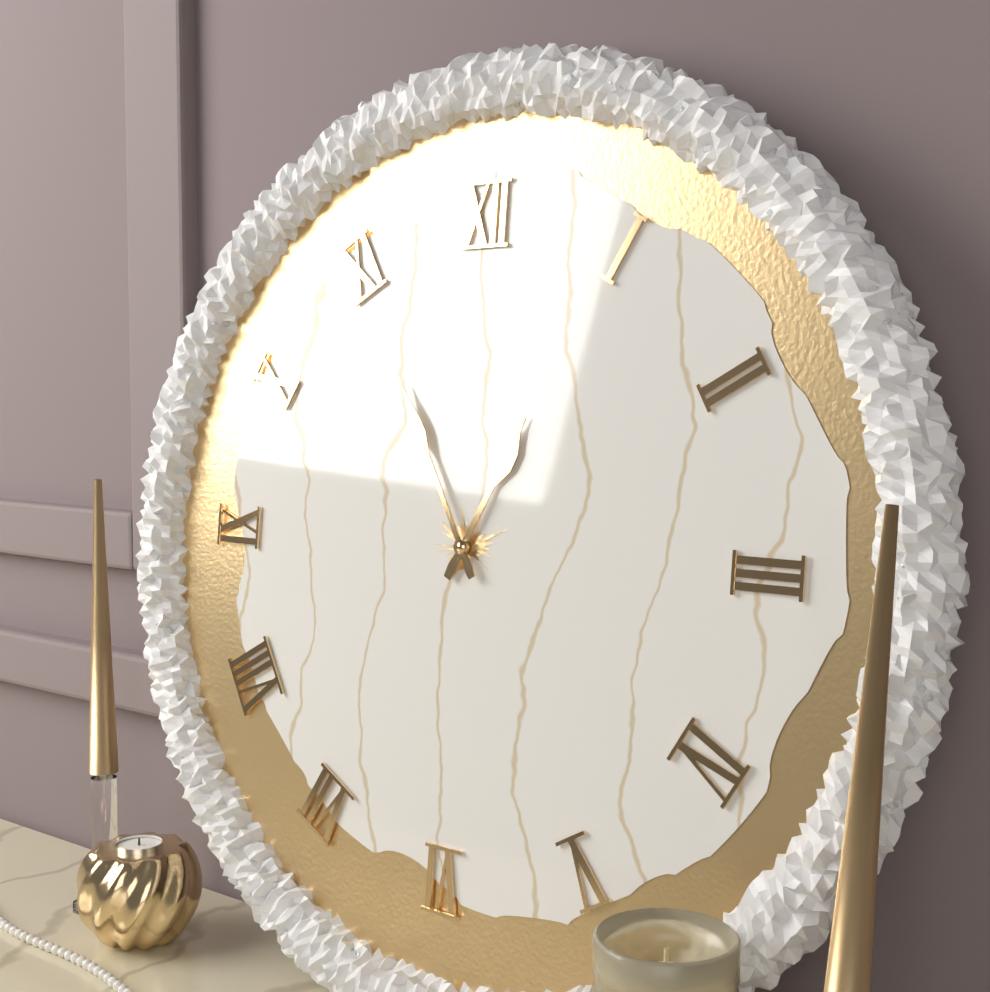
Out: 12,55
